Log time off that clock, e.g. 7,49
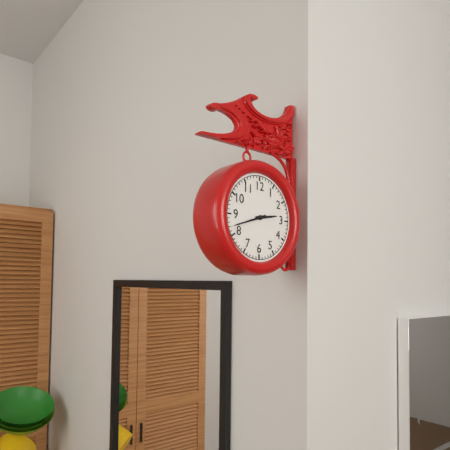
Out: 2,42
